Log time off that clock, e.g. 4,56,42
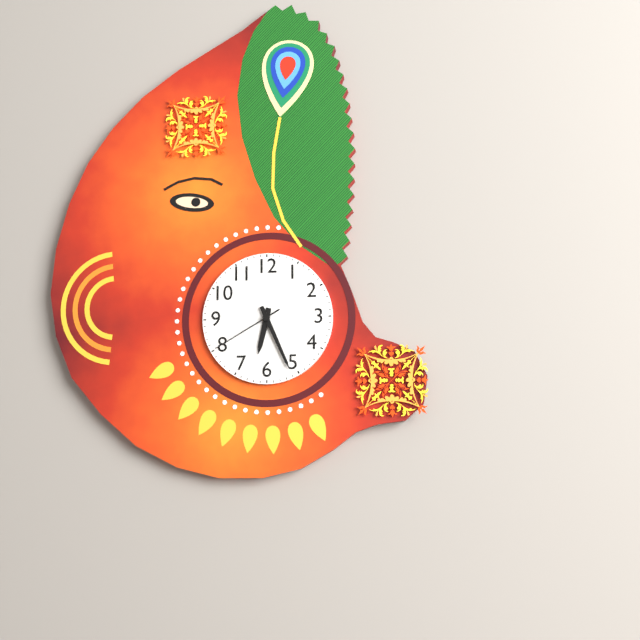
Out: 6,26,40
